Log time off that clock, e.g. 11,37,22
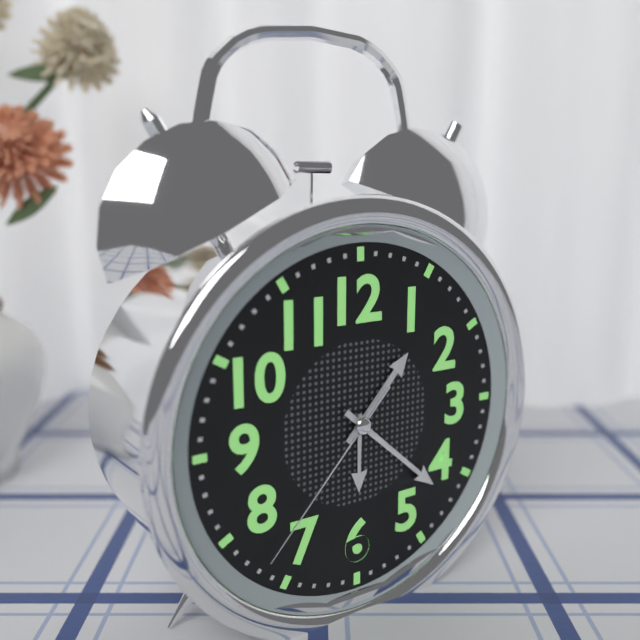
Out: 1,22,37
